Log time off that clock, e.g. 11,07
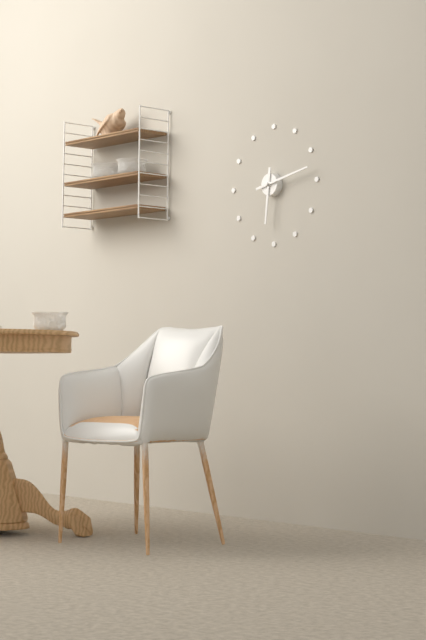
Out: 6,13
